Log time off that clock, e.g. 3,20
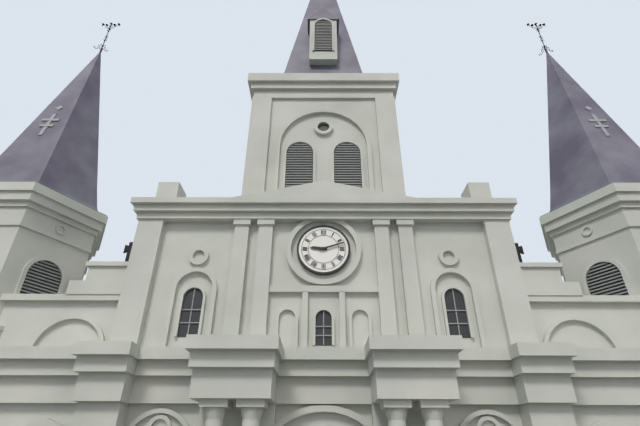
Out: 9,12
